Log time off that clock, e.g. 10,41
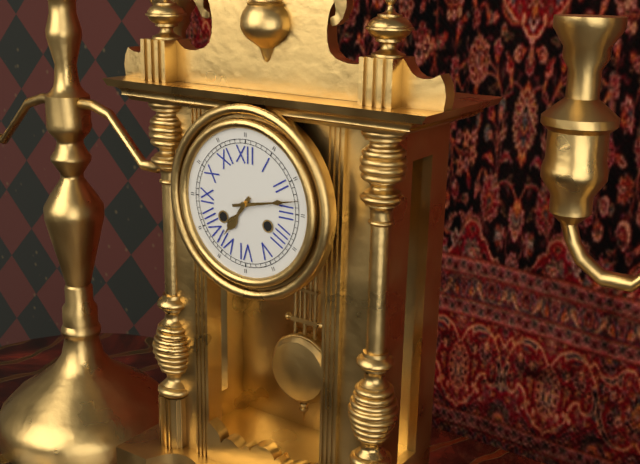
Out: 7,13
